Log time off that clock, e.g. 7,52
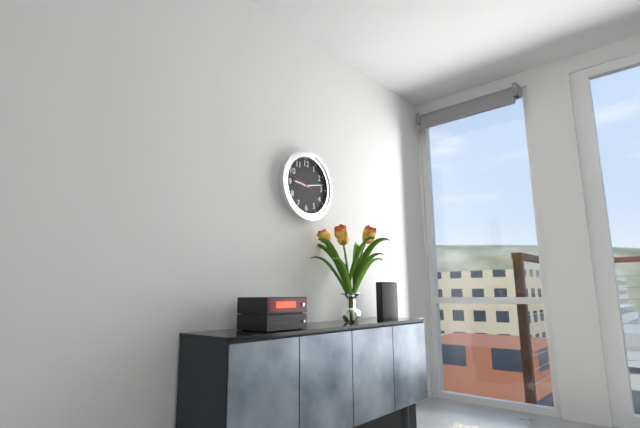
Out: 9,13
